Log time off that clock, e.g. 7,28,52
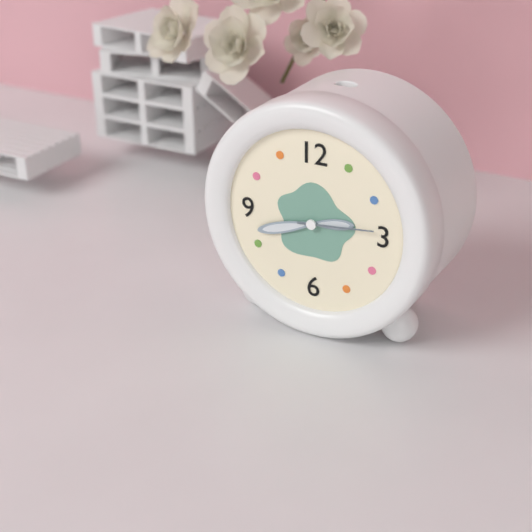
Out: 2,42,14
